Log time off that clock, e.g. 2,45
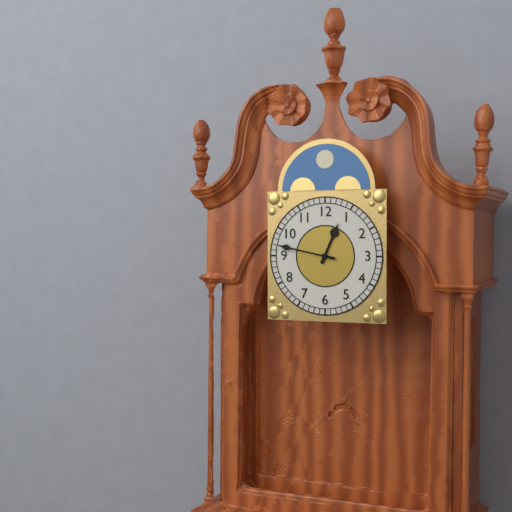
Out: 12,47
